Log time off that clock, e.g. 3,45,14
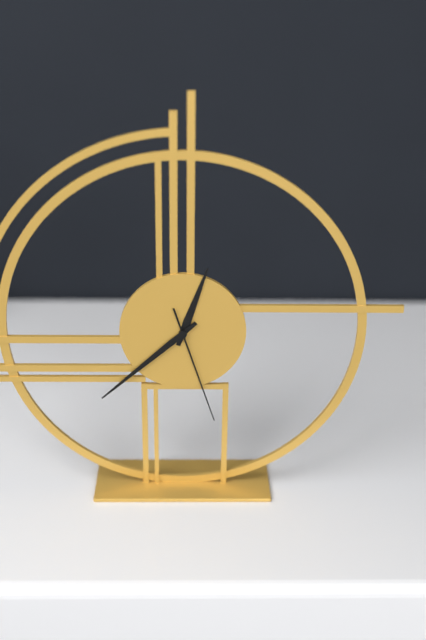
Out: 12,38,27
